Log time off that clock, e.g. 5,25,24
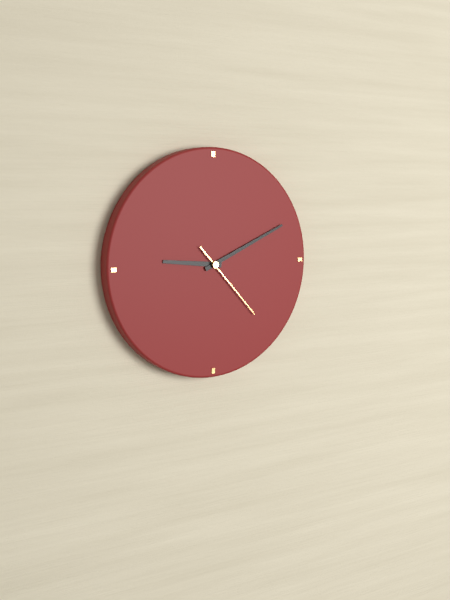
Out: 9,11,23
